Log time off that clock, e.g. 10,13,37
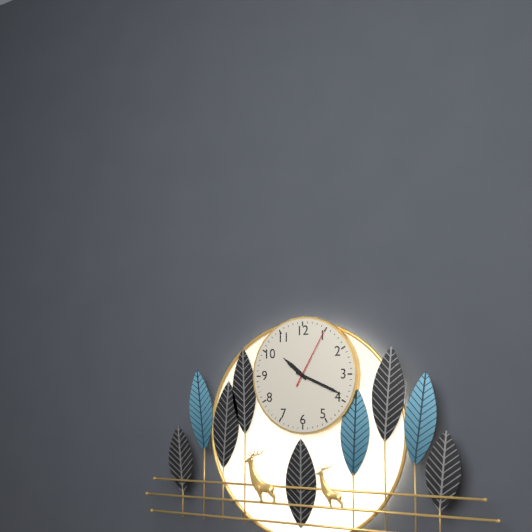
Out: 10,19,05
